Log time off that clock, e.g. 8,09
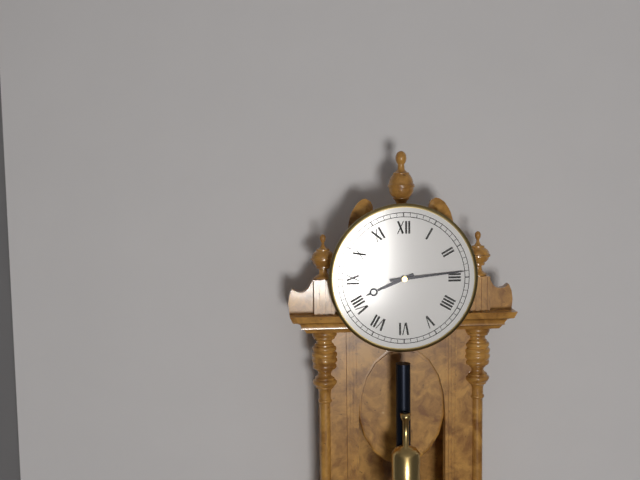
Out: 8,14
